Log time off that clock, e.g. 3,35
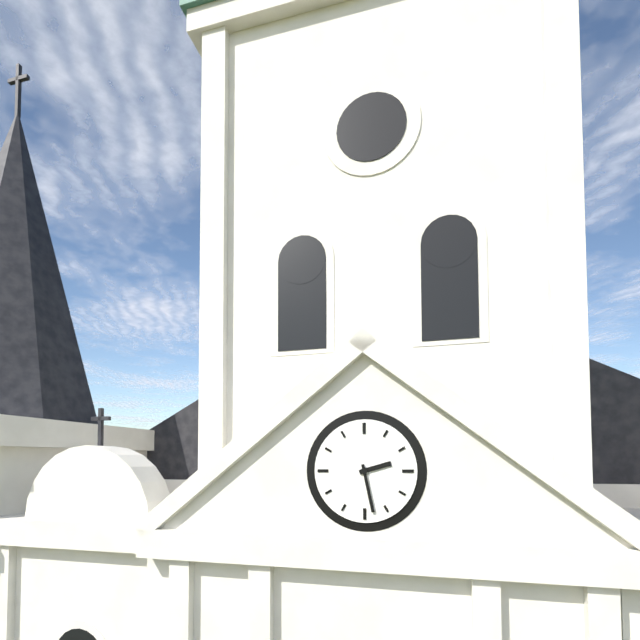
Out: 2,28
